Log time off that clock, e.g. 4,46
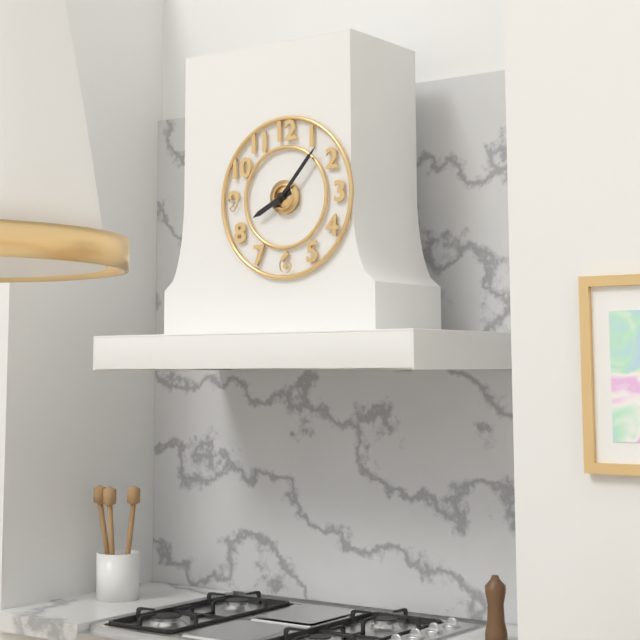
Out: 8,07
